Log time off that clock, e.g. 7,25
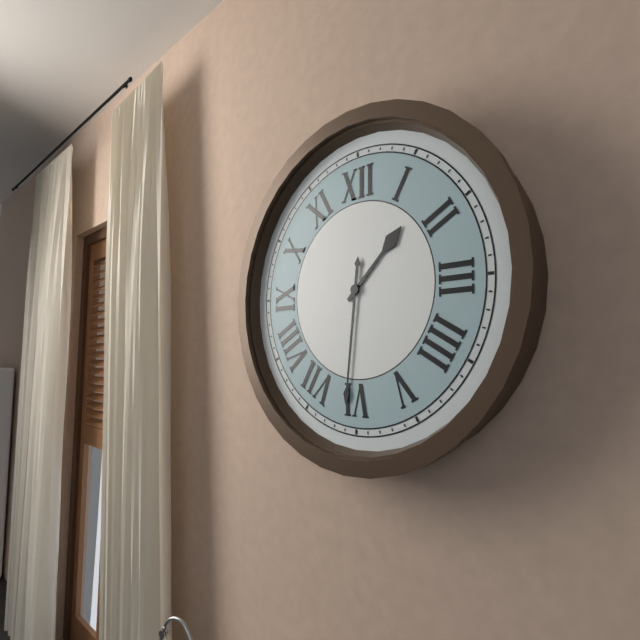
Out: 1,31
